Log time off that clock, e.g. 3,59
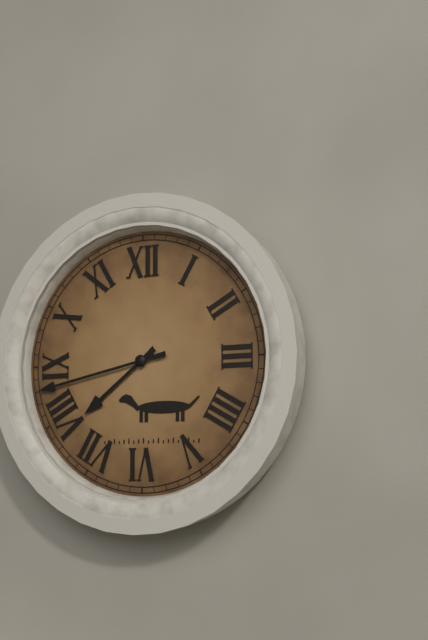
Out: 7,43
